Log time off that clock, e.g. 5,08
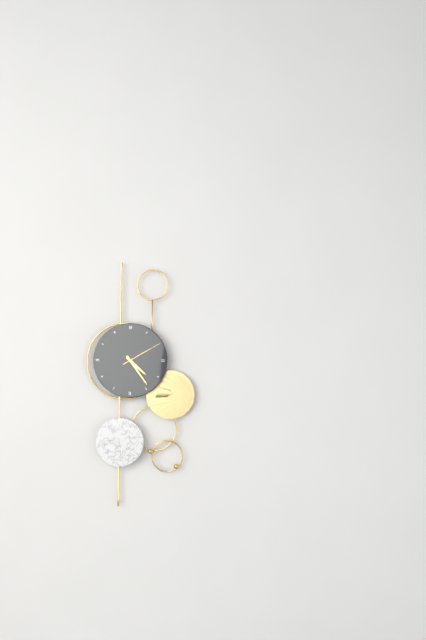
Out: 4,24
